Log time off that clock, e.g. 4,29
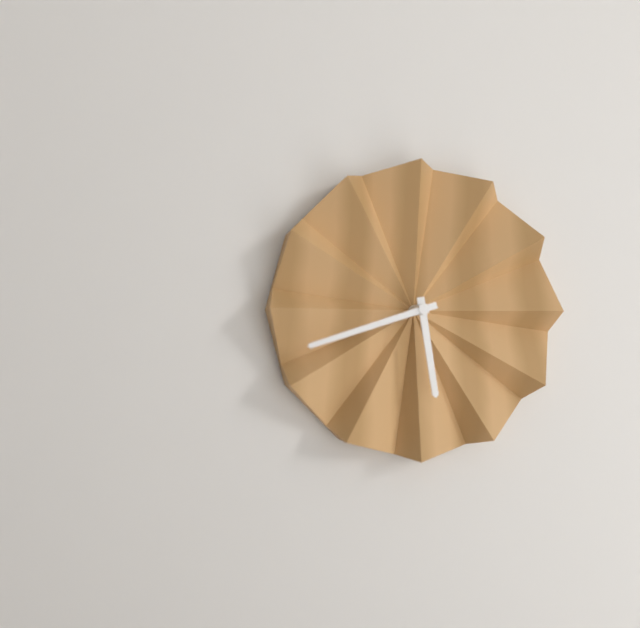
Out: 5,42
